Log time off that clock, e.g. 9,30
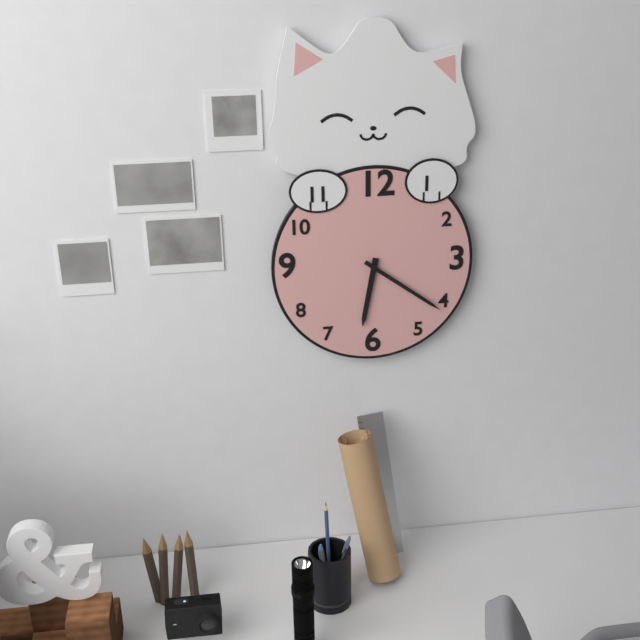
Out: 6,21
